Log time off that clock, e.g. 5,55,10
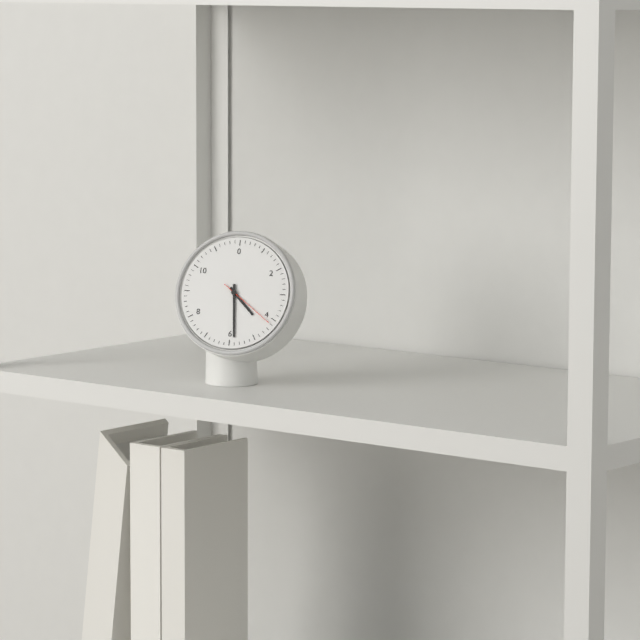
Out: 4,29,21
